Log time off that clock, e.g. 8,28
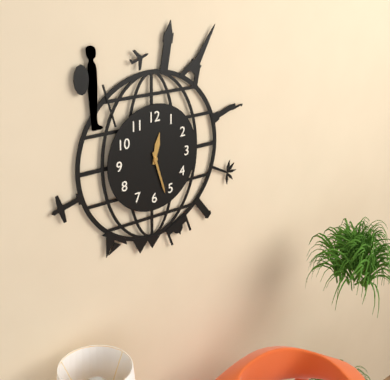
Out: 12,27
